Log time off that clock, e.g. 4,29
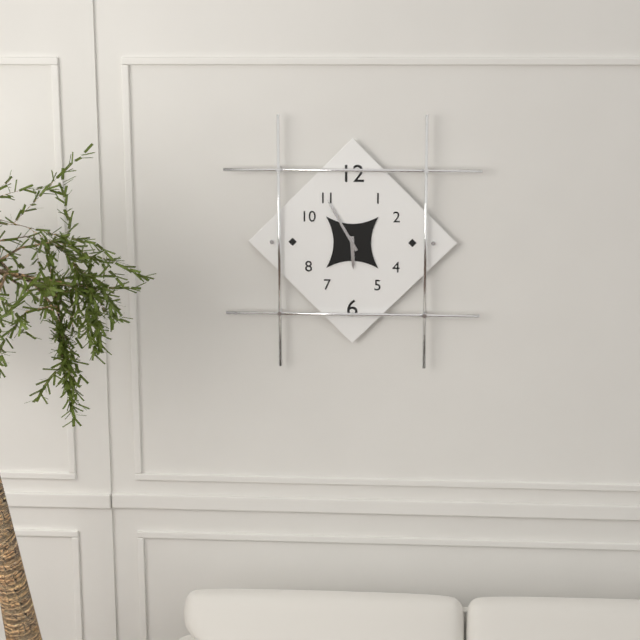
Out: 5,55
